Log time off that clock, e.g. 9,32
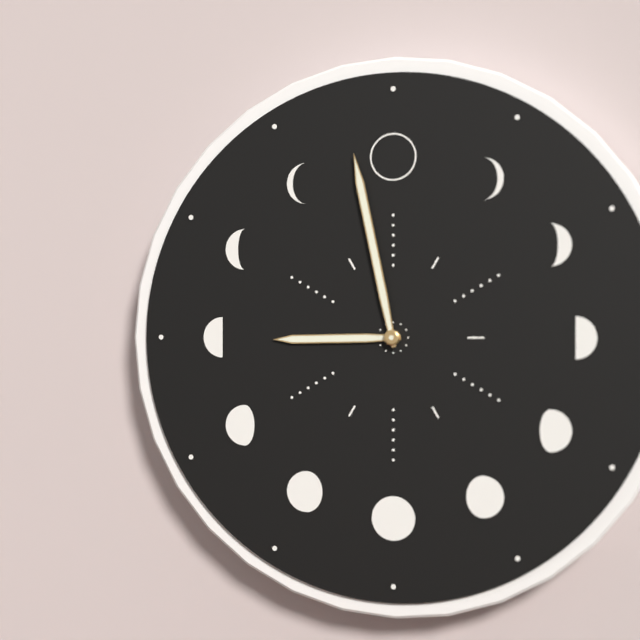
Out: 8,58
